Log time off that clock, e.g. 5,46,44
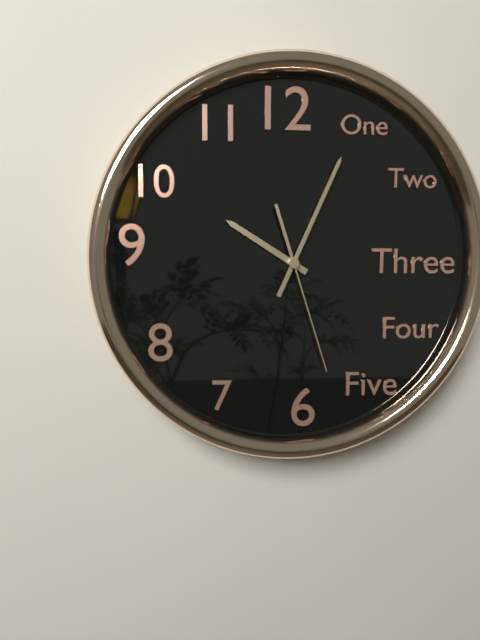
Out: 10,04,27
